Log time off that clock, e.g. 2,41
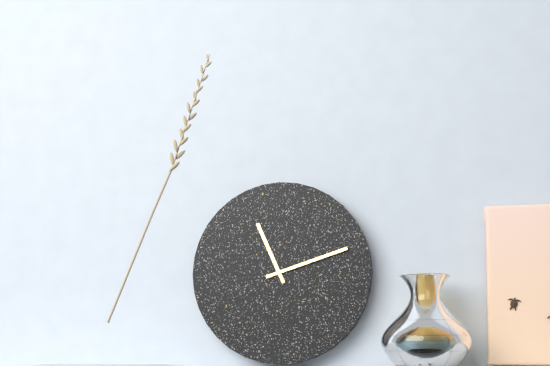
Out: 11,12
